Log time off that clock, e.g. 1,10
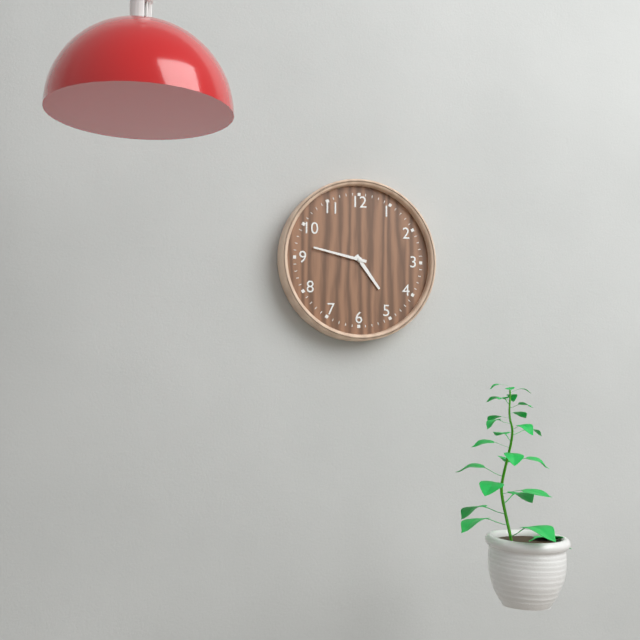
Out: 4,47
